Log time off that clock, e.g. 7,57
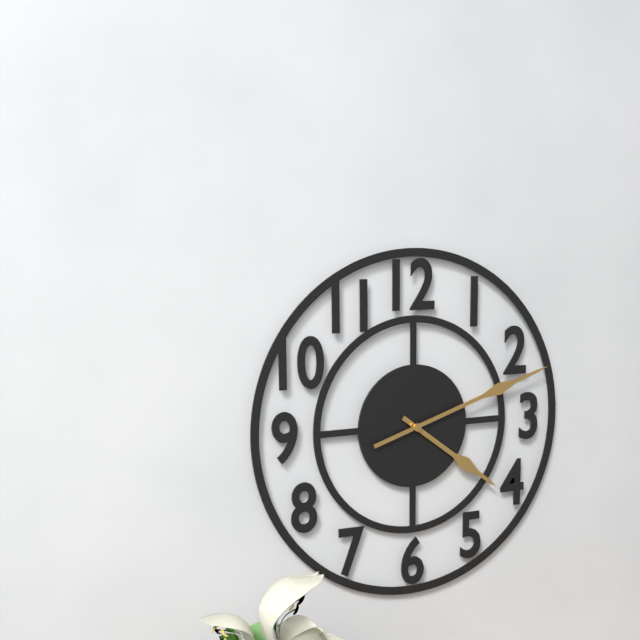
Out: 4,12
